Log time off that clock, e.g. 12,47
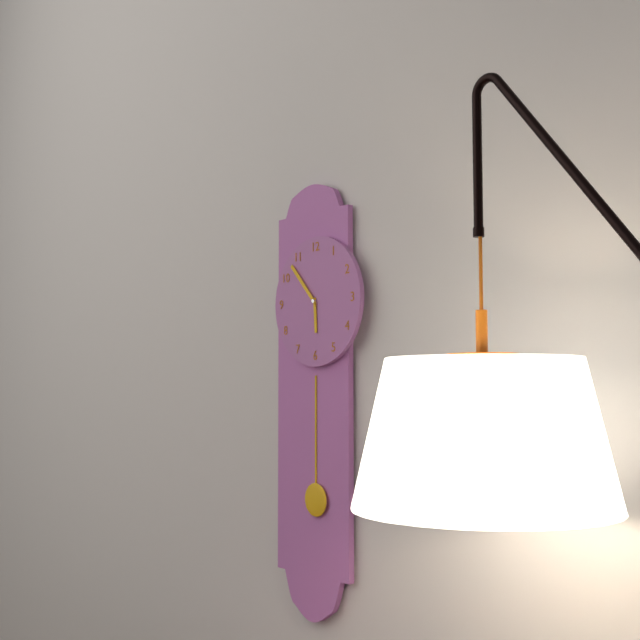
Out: 5,53
